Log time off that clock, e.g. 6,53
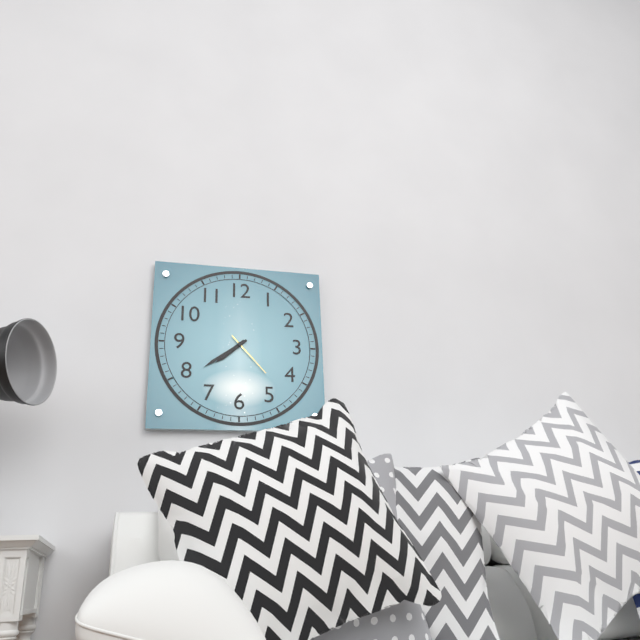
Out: 7,39
